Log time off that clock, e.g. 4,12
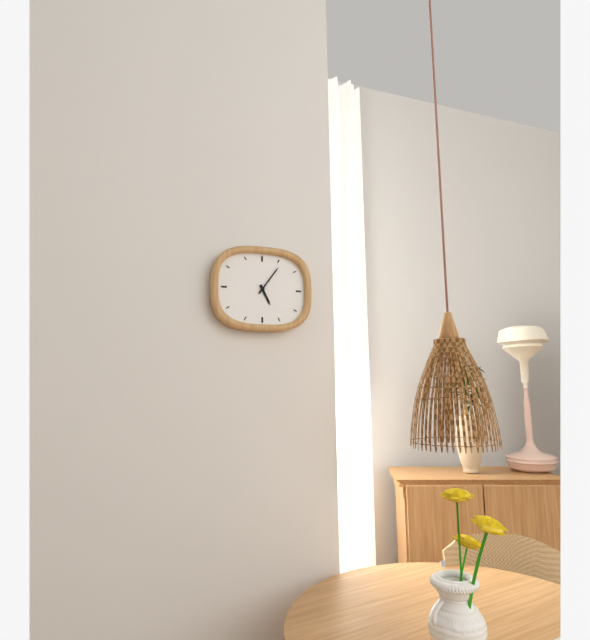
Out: 5,06
